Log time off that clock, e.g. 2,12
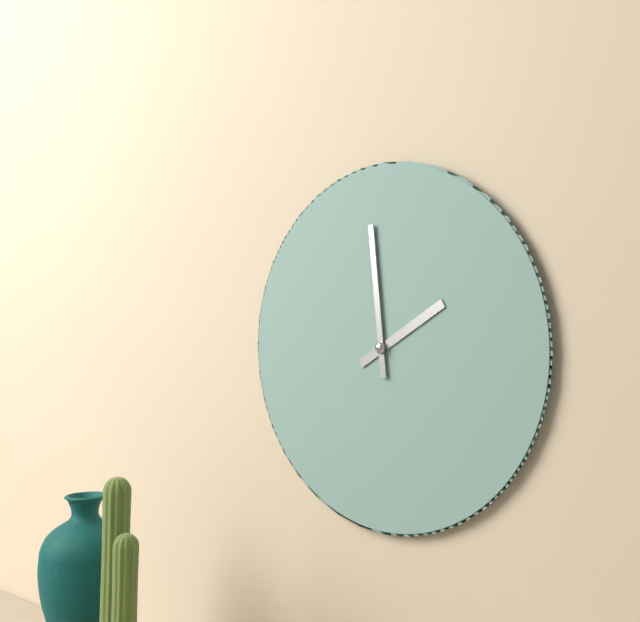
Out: 1,59
